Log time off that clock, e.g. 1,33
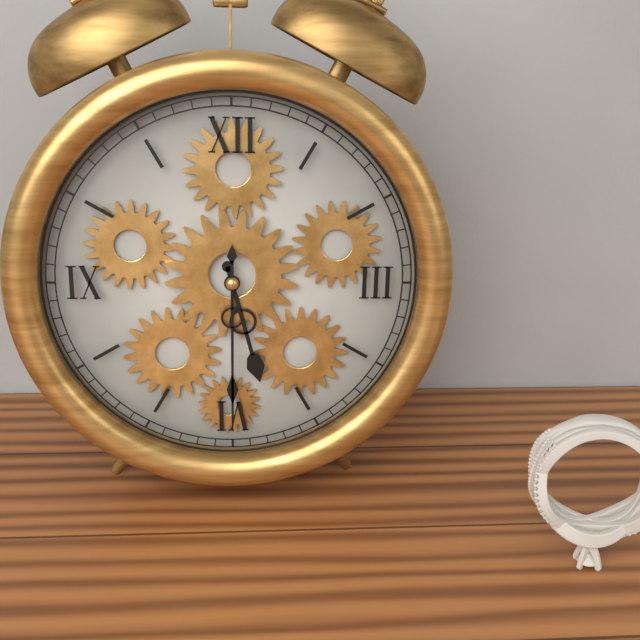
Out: 5,30
